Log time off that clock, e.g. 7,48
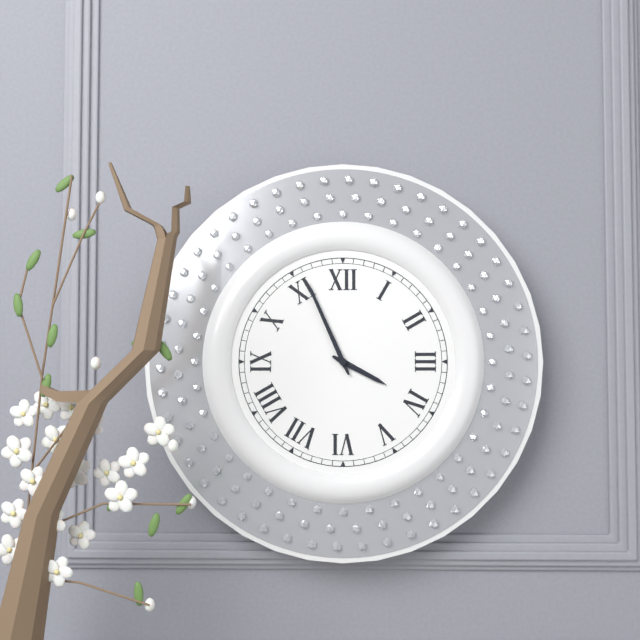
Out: 3,56
